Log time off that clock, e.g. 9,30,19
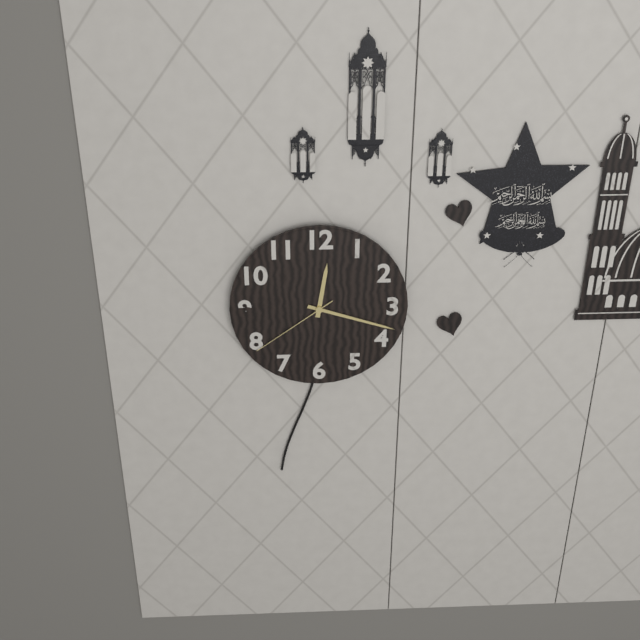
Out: 12,18,39
